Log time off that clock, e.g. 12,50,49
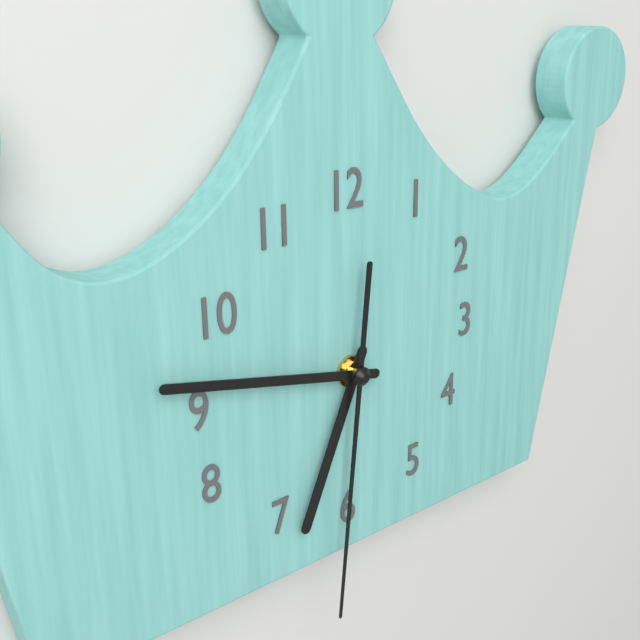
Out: 6,47,31
